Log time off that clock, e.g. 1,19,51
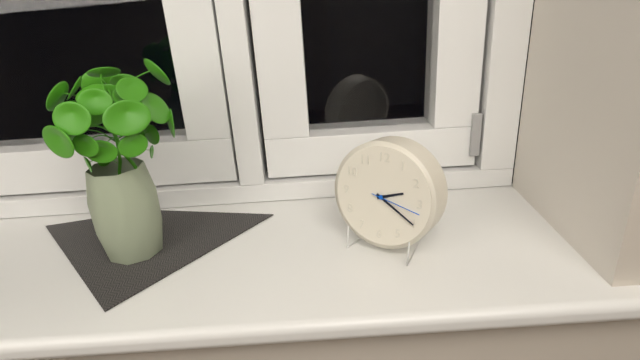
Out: 2,20,17
